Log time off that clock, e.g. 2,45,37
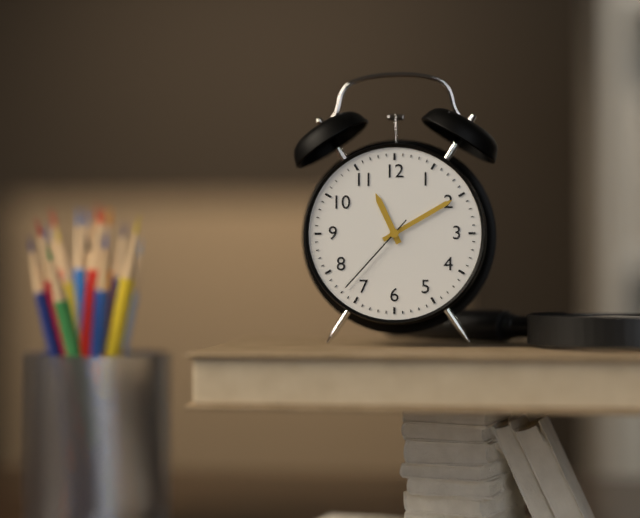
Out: 11,10,37
